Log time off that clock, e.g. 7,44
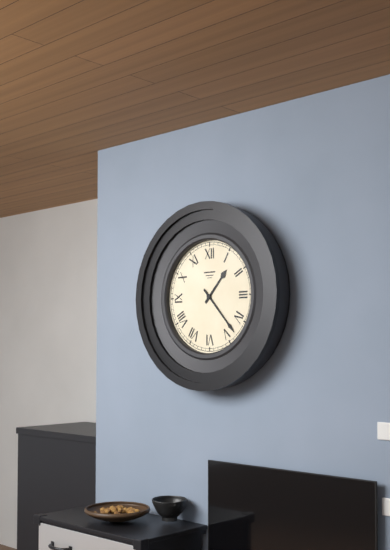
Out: 1,23
